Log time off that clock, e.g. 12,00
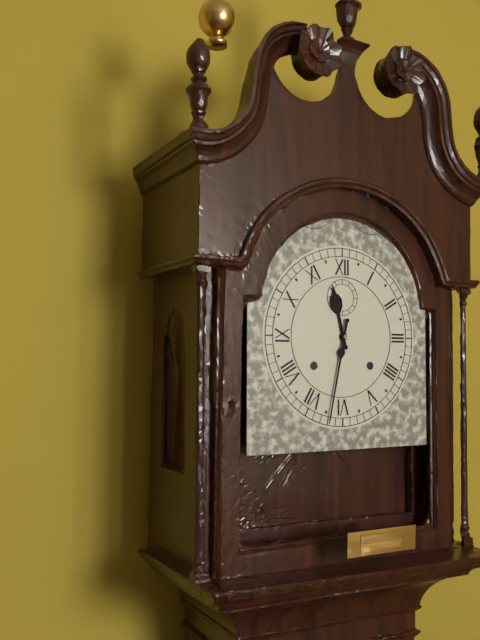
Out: 11,32
